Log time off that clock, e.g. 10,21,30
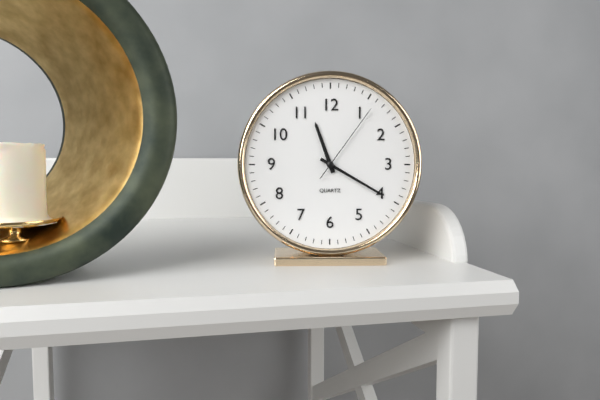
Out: 11,20,06
